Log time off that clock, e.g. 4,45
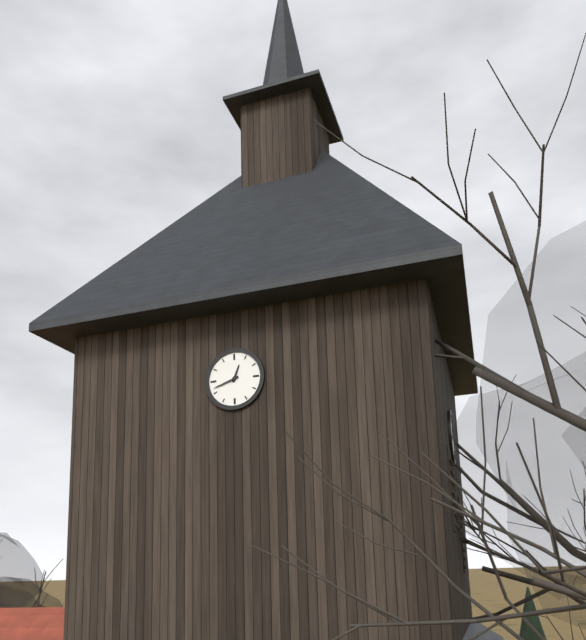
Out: 12,42
